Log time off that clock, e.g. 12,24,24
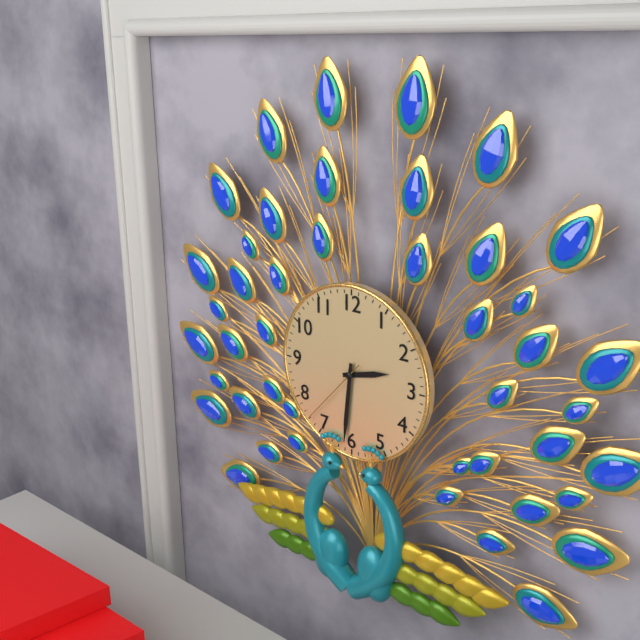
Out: 2,31,37
